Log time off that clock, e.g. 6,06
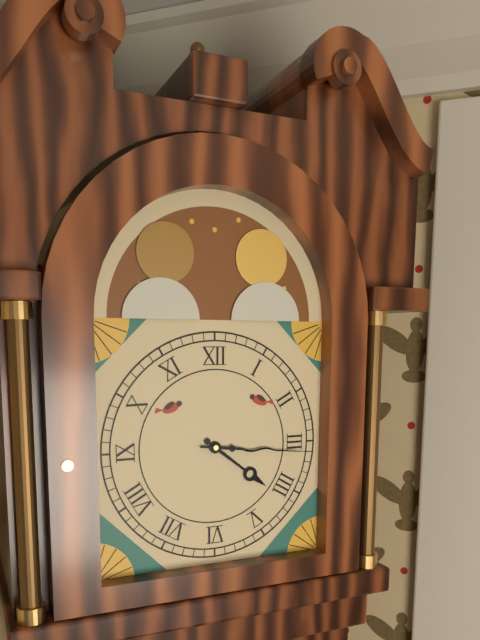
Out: 4,16
